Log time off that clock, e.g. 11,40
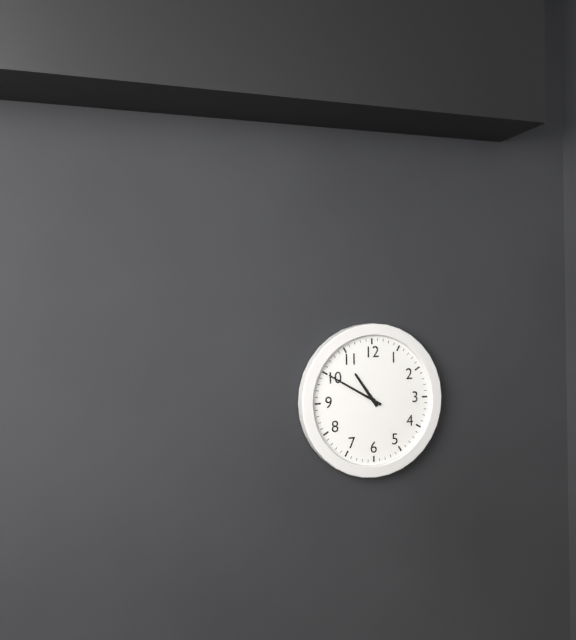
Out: 10,50
